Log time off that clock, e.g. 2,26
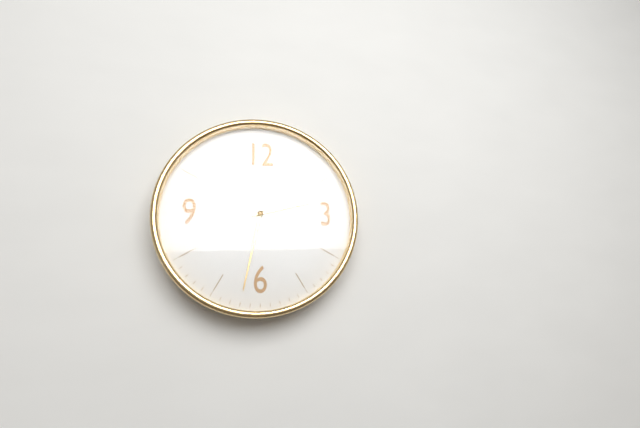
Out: 2,32
